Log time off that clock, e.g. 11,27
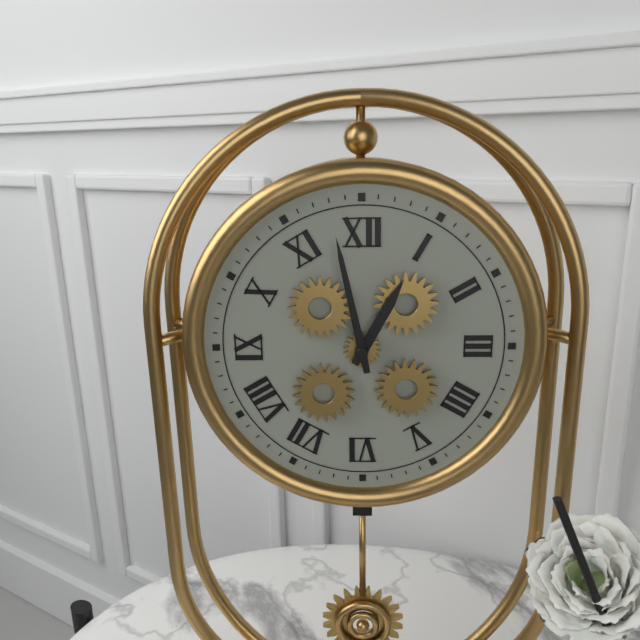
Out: 12,58
